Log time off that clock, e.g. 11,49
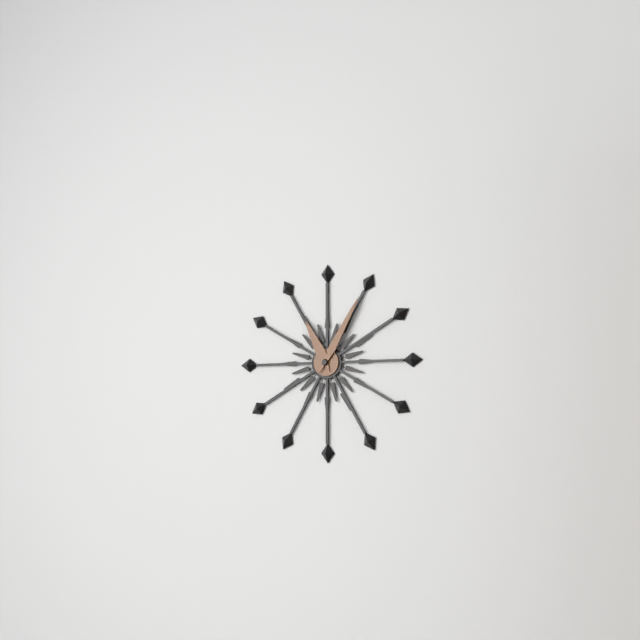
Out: 11,05
